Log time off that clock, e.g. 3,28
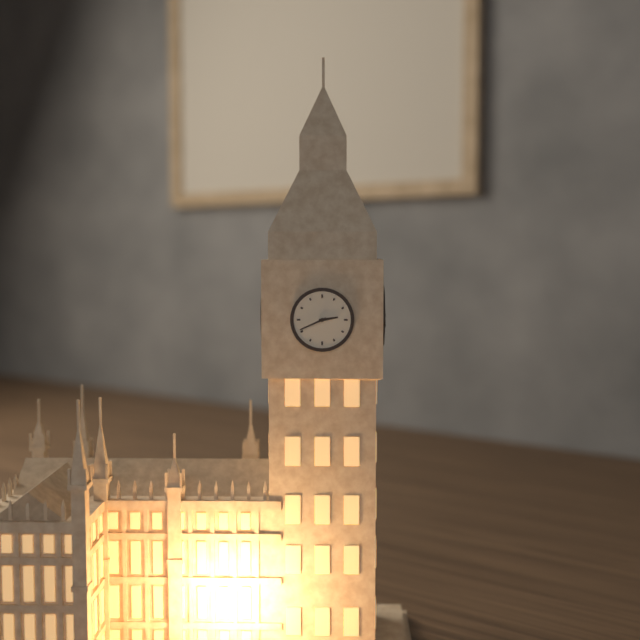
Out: 2,41
